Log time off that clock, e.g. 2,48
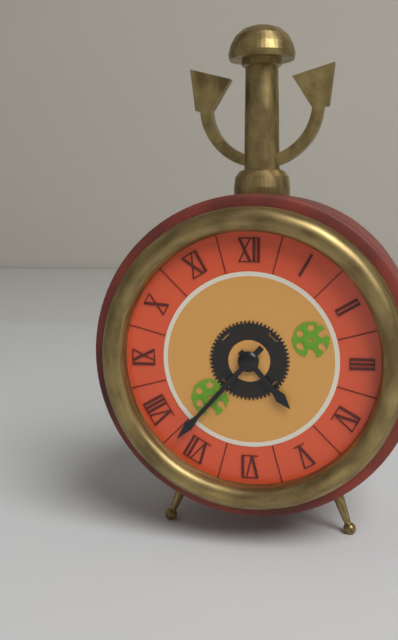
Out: 4,37
